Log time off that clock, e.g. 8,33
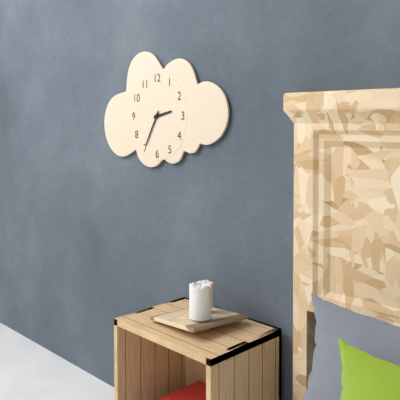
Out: 2,35
